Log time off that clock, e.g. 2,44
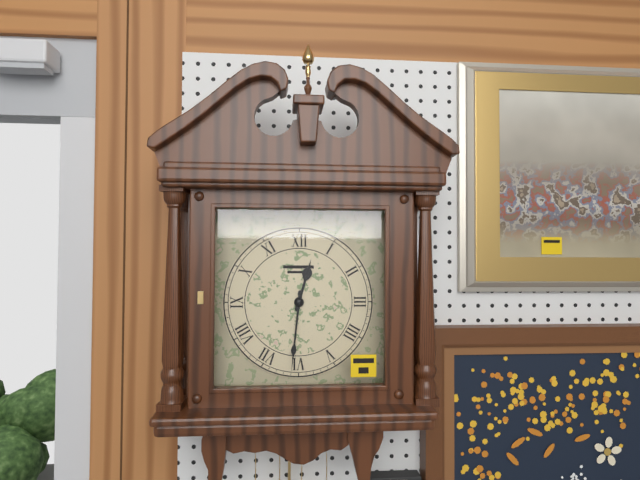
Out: 12,31
